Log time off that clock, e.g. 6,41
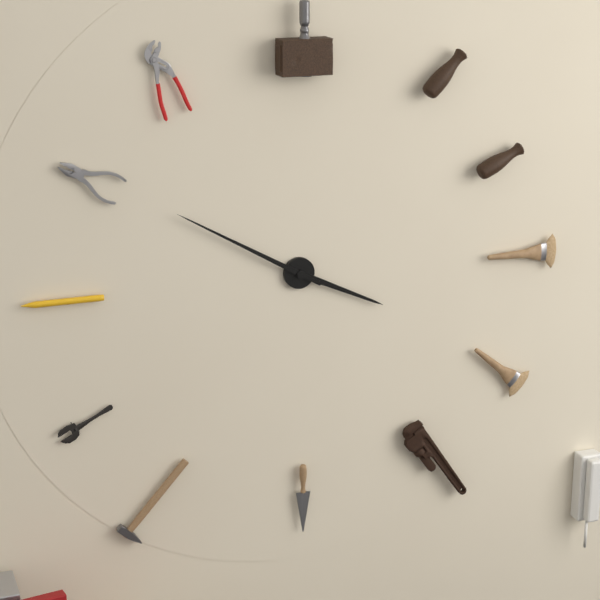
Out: 3,50
